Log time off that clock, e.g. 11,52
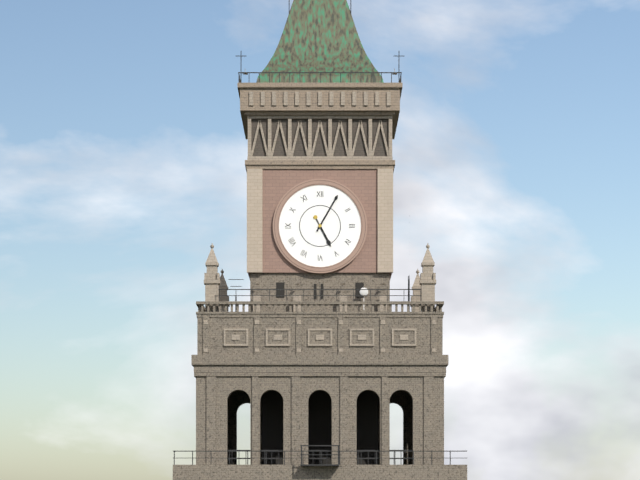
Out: 5,05
